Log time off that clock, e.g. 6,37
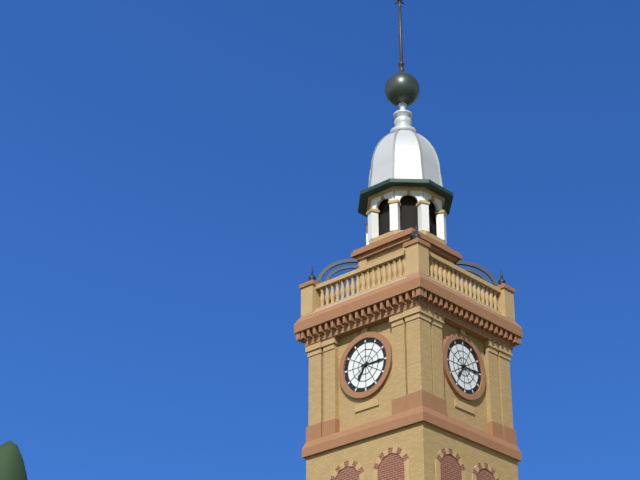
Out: 7,15
